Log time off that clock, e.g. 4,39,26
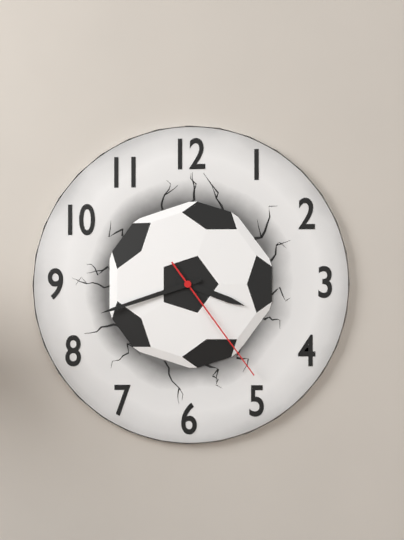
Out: 3,42,24
